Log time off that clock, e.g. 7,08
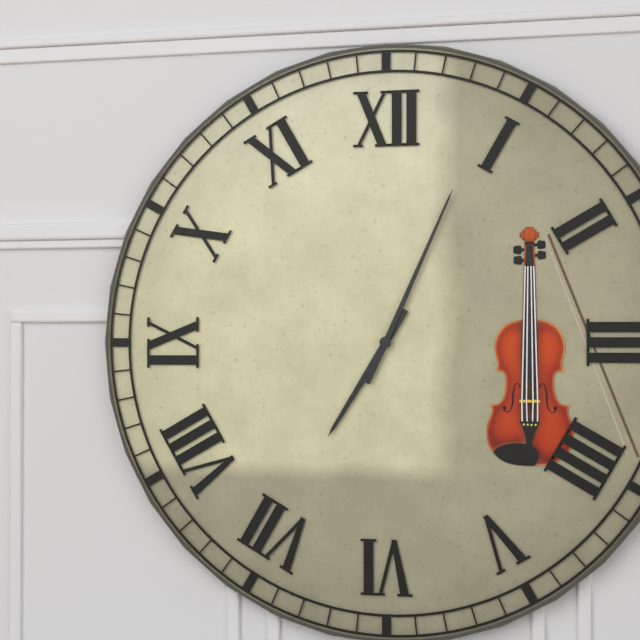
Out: 7,04
